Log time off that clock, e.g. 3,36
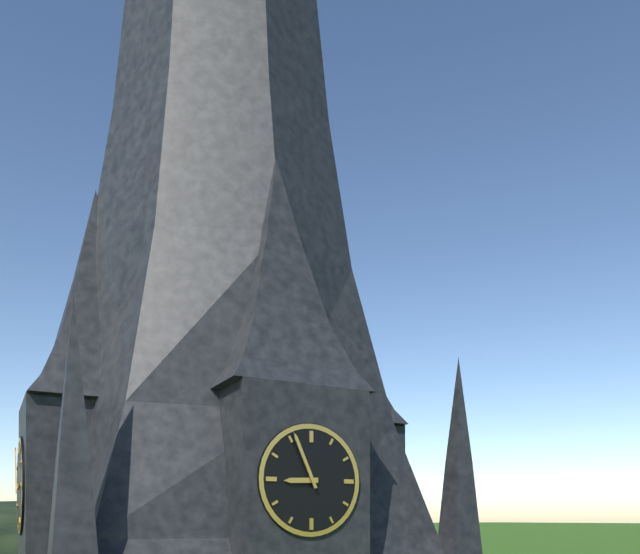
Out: 8,56
